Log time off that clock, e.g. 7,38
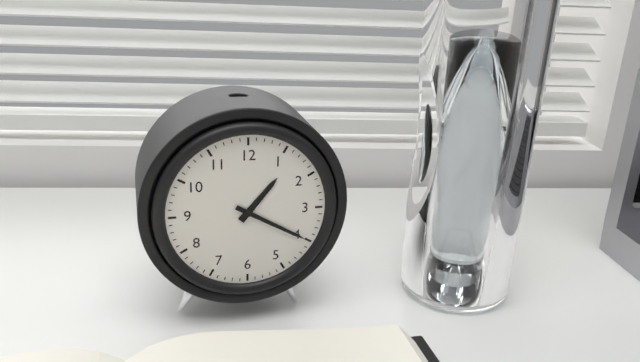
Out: 1,20
